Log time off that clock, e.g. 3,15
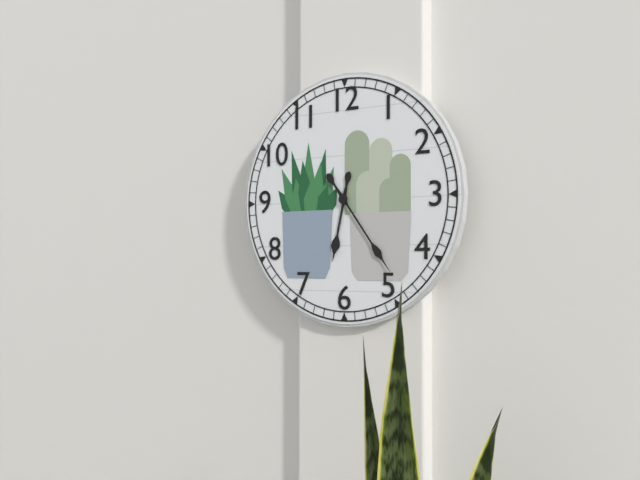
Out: 6,24
